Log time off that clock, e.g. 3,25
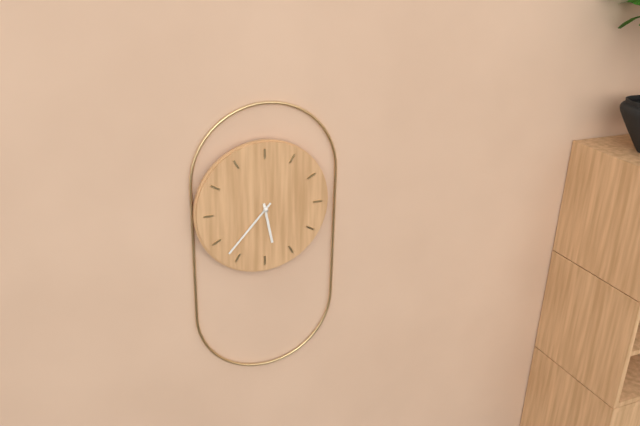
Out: 5,37
